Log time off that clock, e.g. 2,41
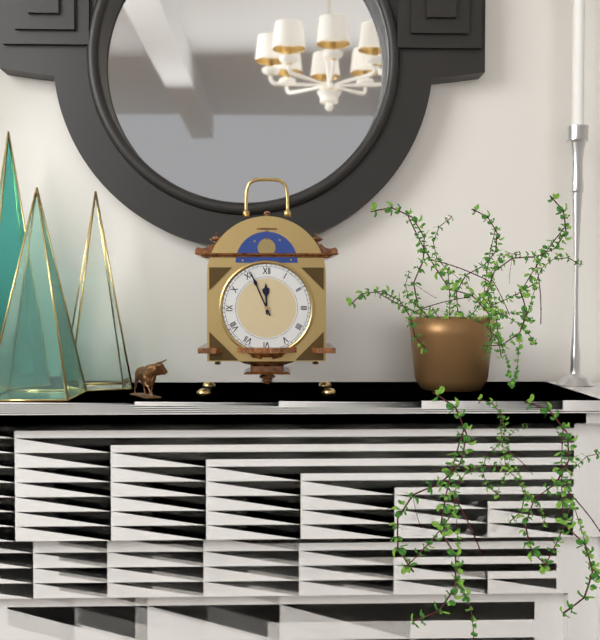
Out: 11,56
